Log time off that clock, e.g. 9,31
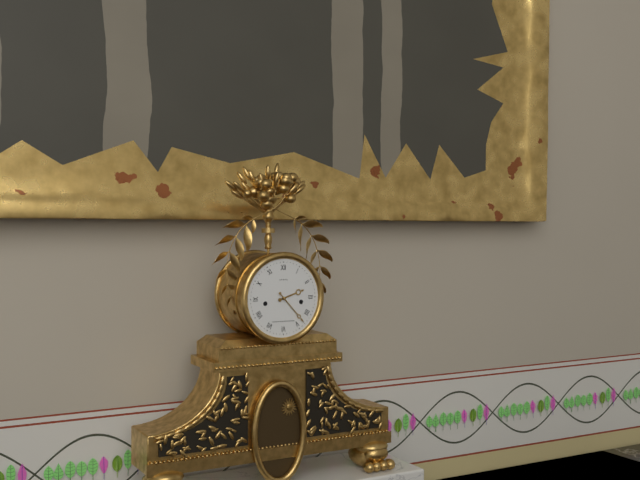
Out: 2,23
